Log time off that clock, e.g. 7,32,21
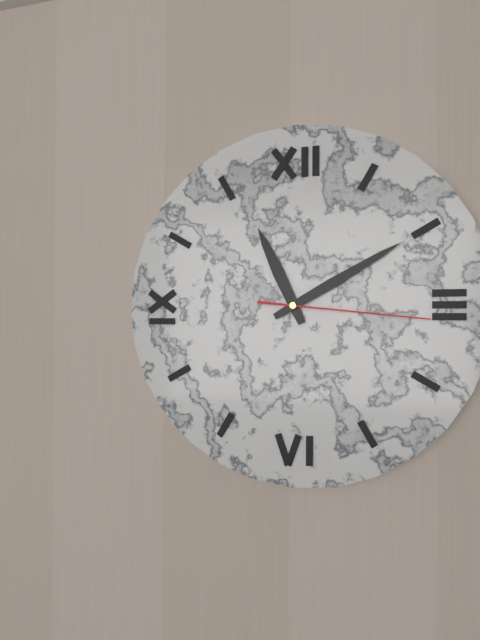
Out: 11,10,16
